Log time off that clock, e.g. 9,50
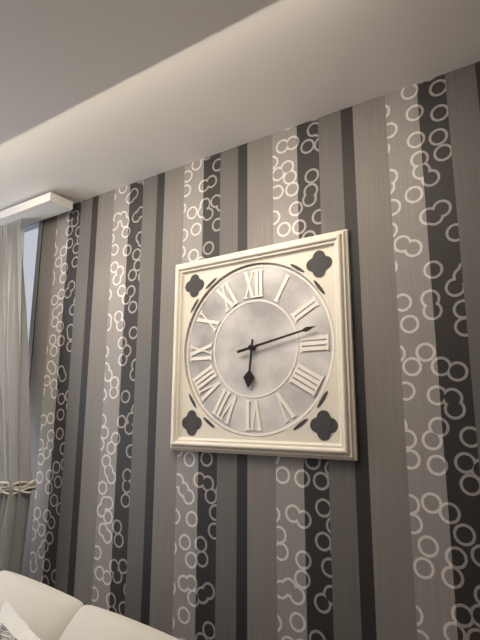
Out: 6,13
